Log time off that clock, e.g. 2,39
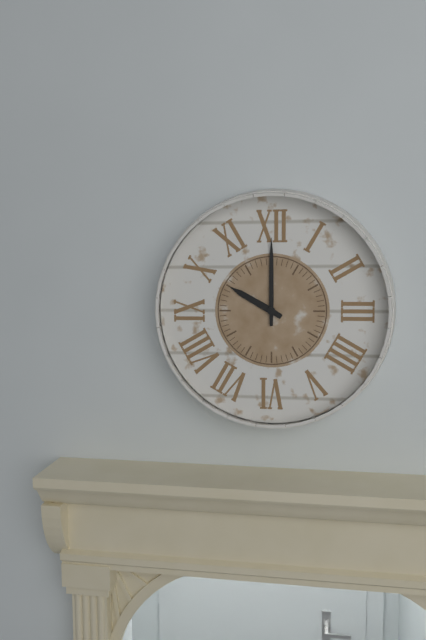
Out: 10,00
